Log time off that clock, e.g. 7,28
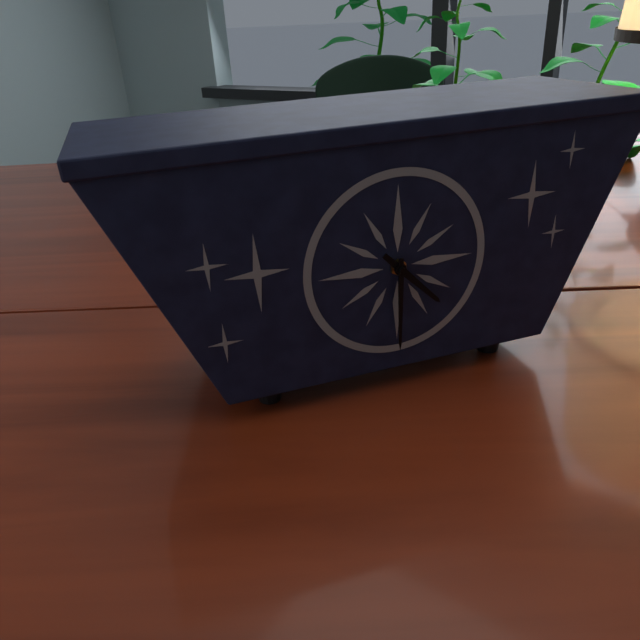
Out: 4,30
